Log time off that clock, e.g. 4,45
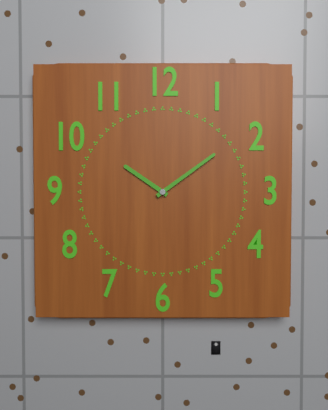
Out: 10,09
